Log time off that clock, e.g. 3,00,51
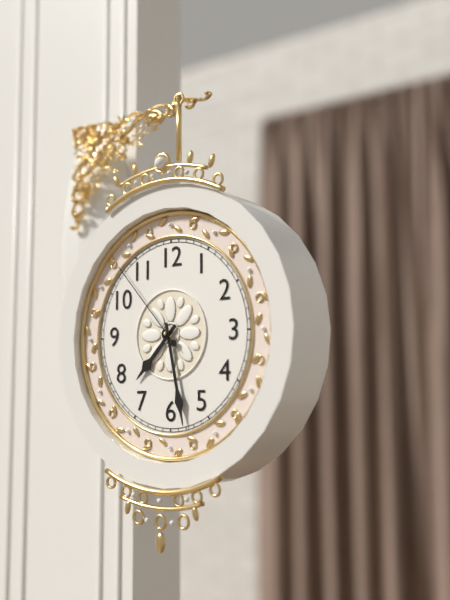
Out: 7,28,53
